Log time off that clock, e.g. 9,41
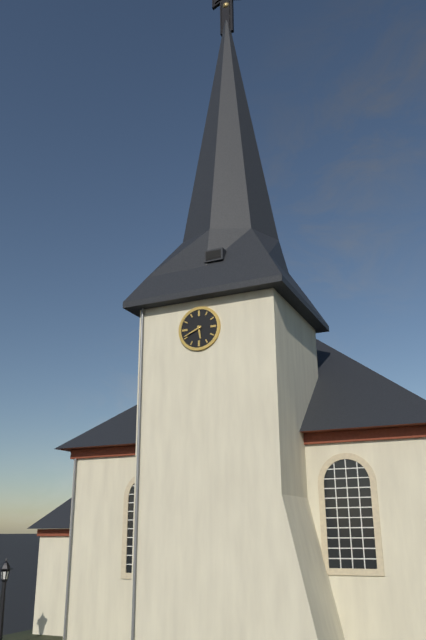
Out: 5,41
